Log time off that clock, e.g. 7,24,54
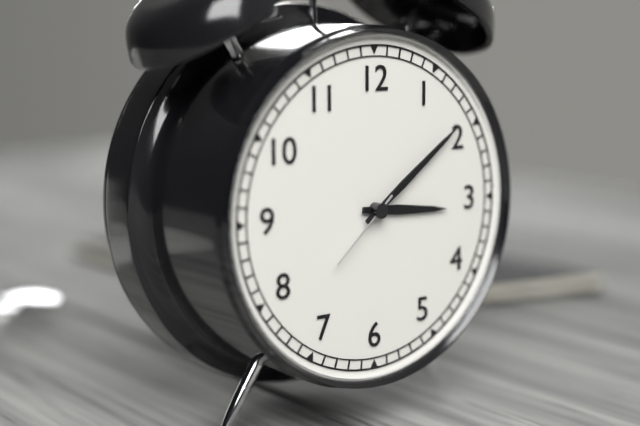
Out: 3,09,38
